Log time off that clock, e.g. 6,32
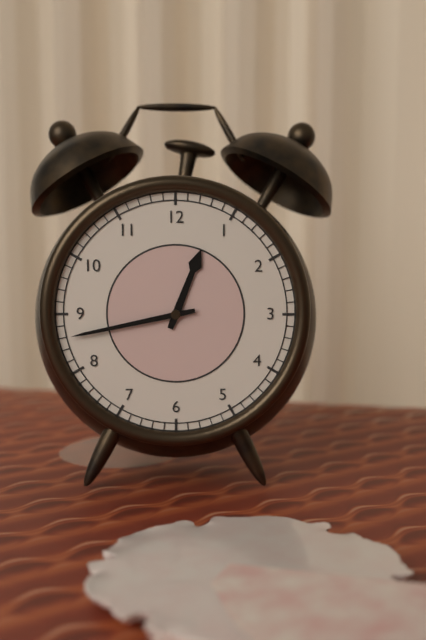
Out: 12,43
